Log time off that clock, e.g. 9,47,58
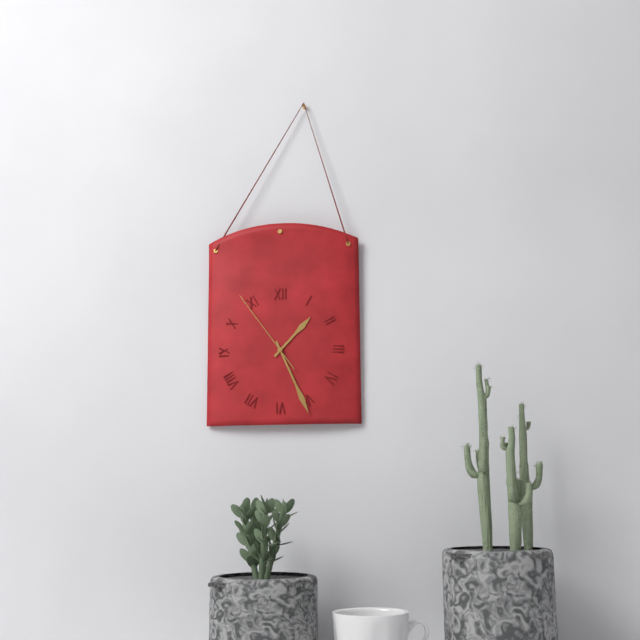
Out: 1,26,54
